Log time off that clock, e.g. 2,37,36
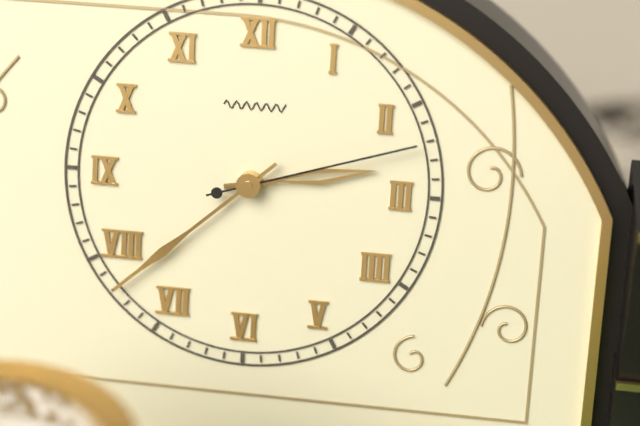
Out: 2,38,12
